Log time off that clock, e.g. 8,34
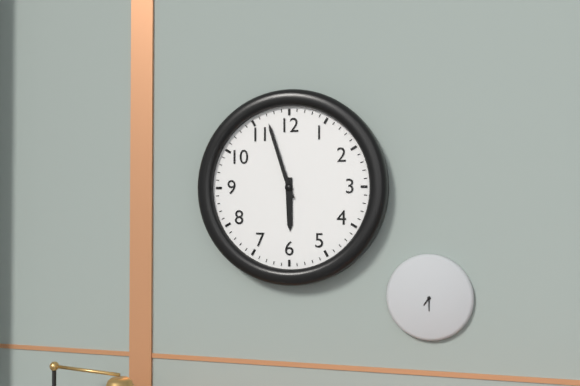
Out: 5,57
